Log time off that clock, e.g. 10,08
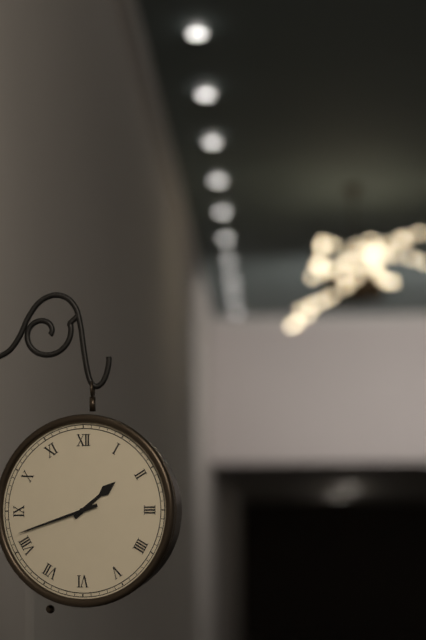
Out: 1,42
